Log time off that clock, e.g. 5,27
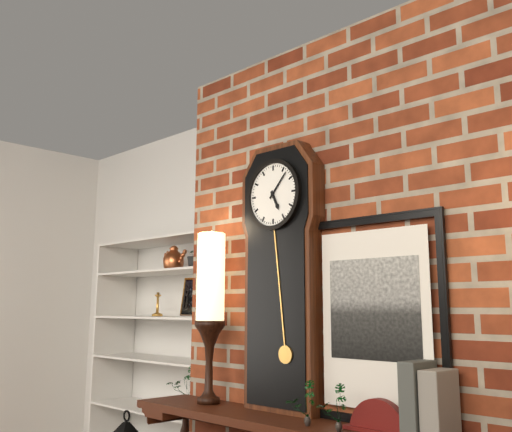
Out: 5,07
